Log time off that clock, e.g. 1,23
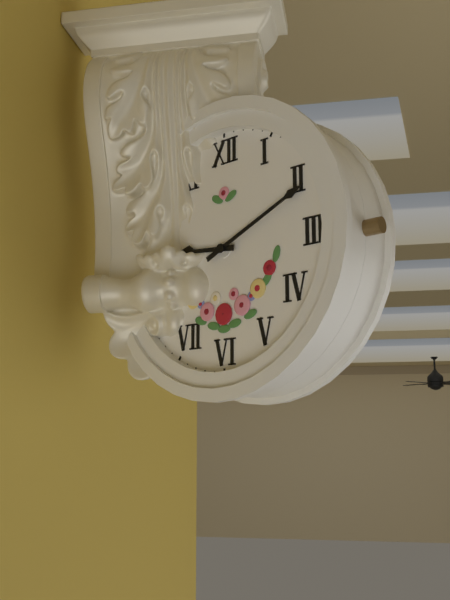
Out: 9,11
